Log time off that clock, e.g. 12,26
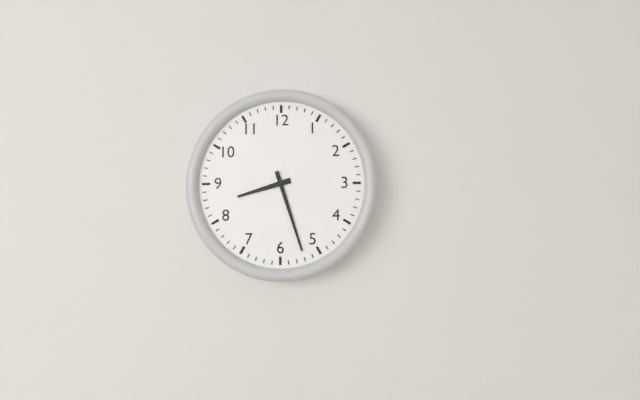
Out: 8,27
